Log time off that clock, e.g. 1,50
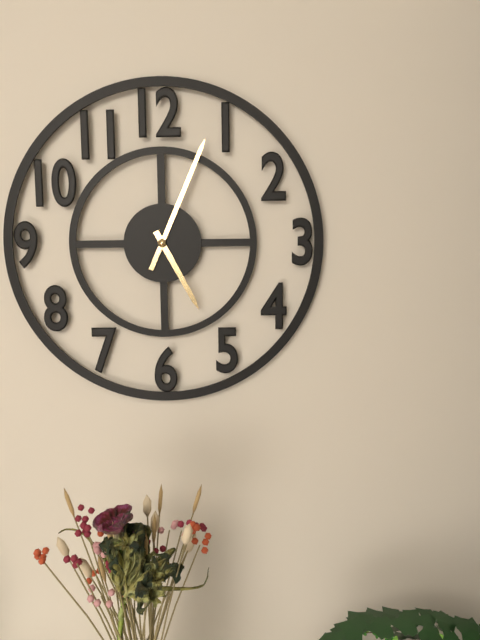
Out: 5,04
